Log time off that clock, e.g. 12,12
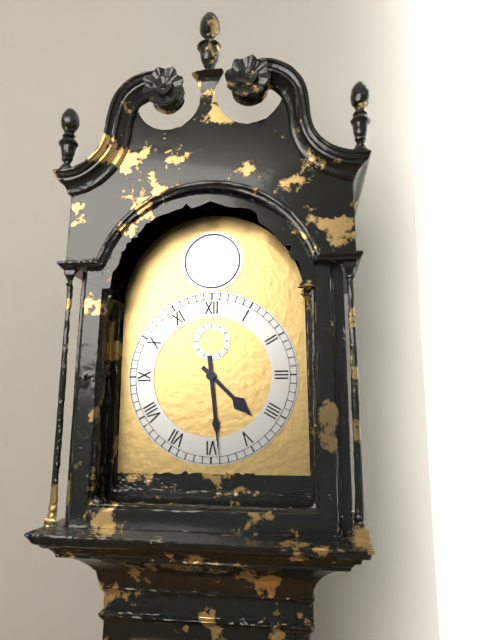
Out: 4,29
